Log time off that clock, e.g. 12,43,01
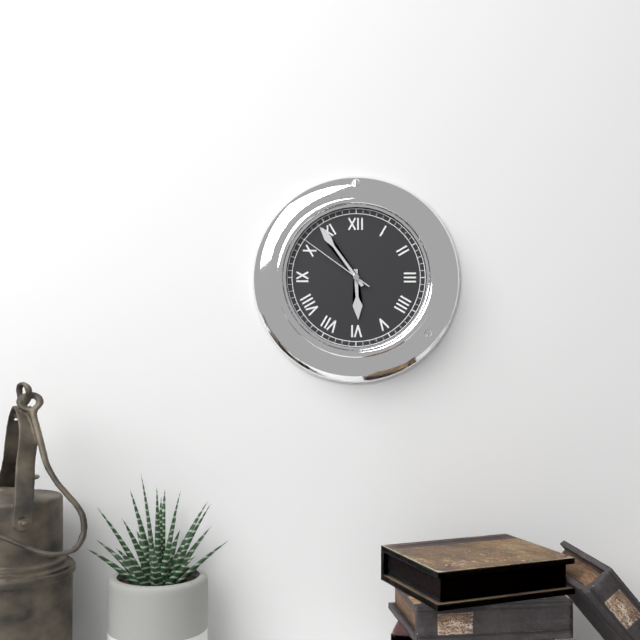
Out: 5,54,51
